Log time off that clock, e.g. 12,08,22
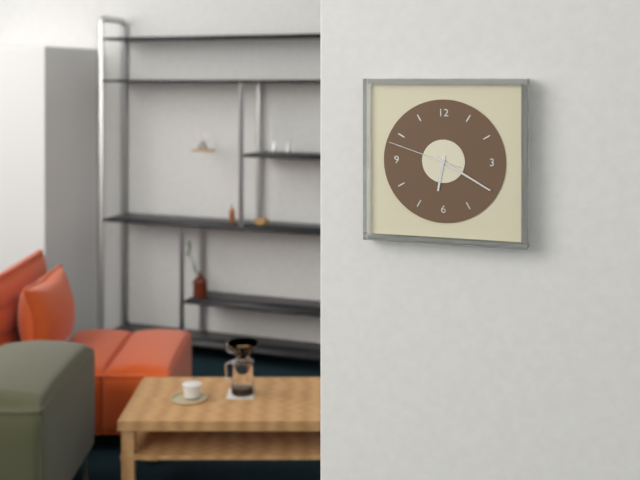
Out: 6,20,48
